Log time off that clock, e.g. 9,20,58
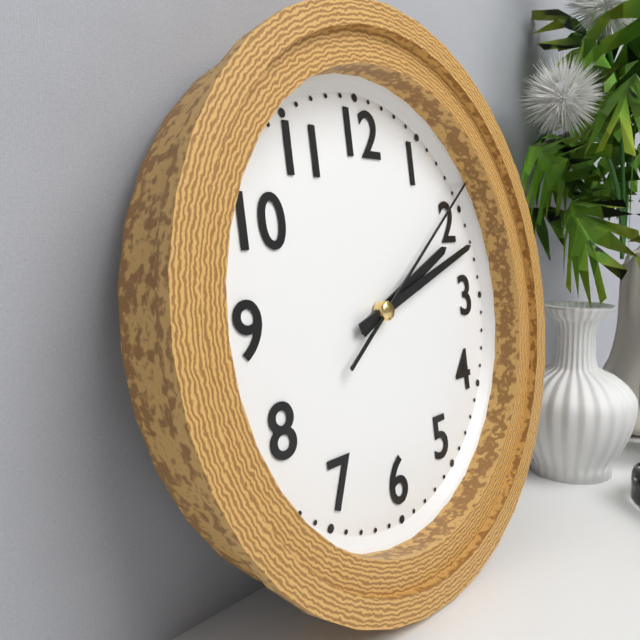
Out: 2,12,09
